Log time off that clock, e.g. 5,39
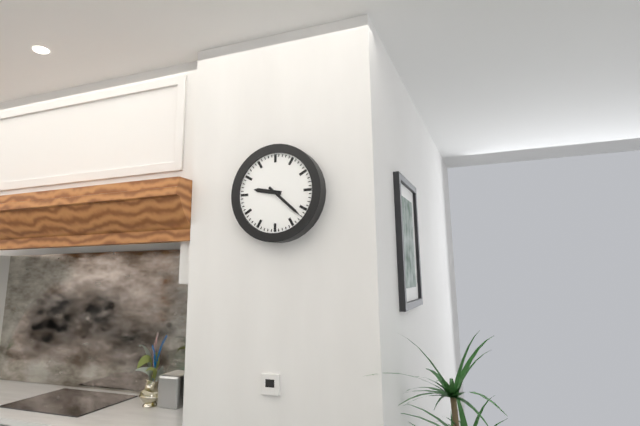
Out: 9,22
